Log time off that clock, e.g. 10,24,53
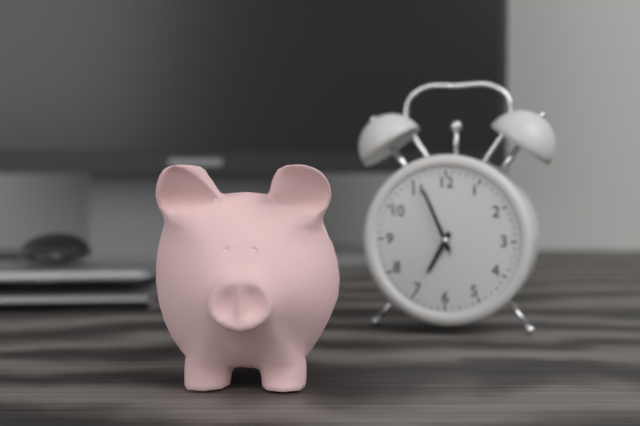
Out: 6,56,56
